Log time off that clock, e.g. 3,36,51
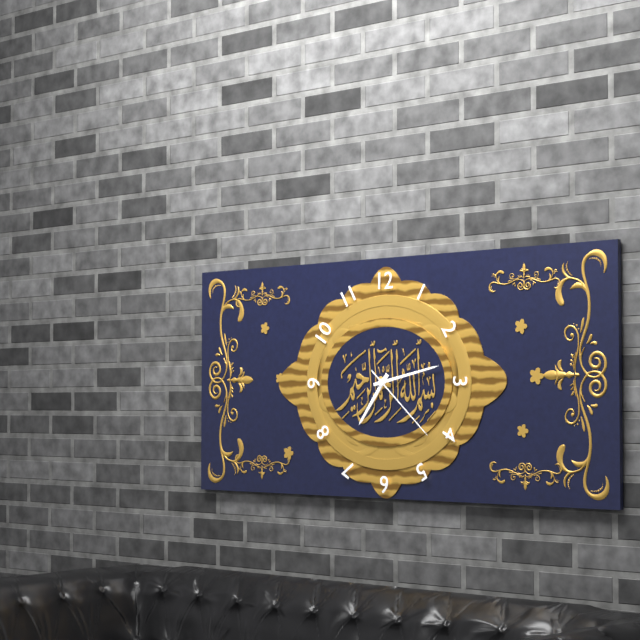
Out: 7,13,22
